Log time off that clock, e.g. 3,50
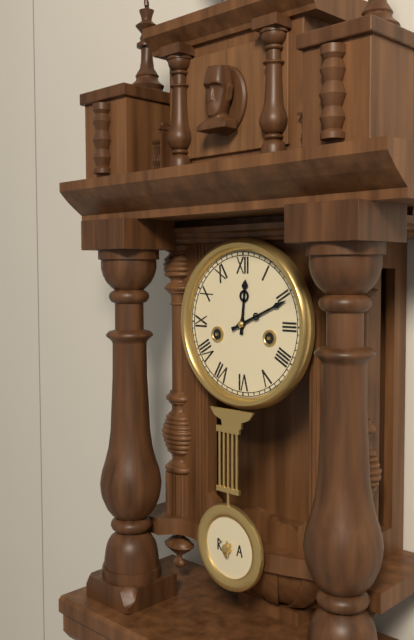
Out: 12,11
